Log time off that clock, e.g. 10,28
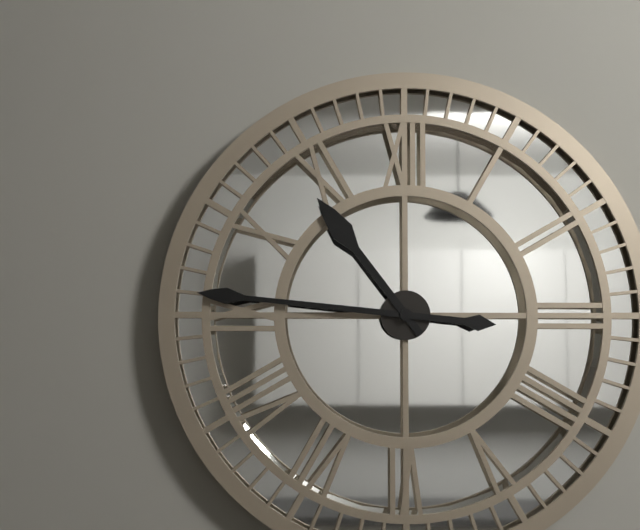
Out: 10,46
